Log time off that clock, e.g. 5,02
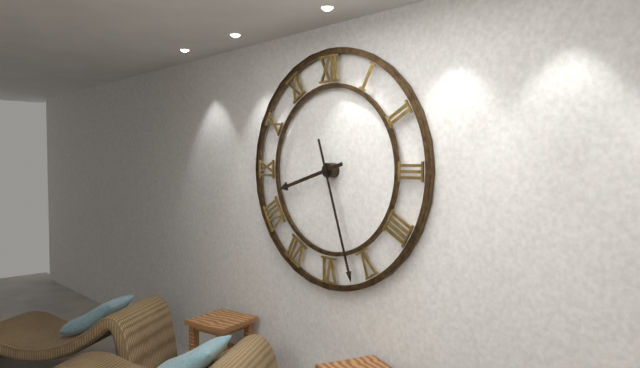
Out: 8,27
